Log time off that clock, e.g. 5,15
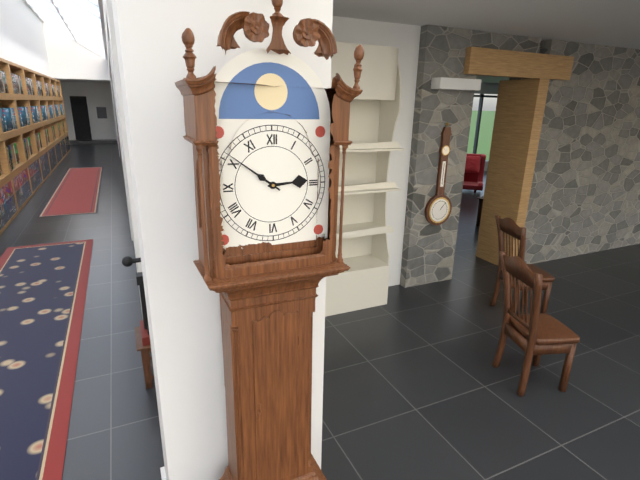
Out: 2,51
